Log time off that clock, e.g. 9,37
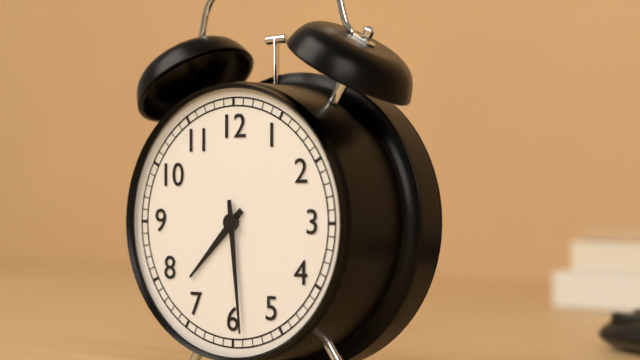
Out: 7,29
